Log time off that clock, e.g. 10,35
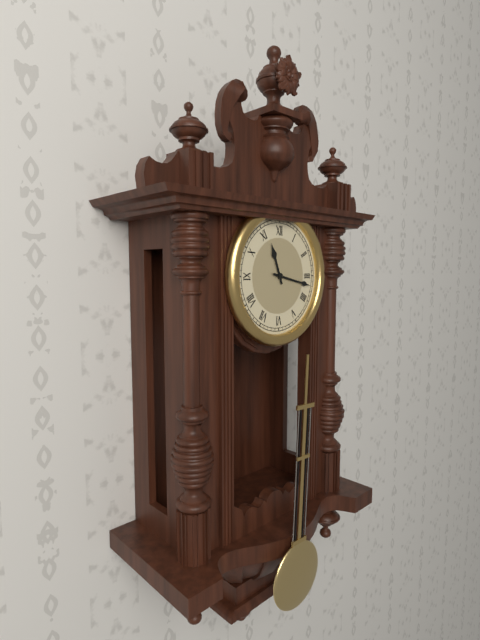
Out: 11,17
